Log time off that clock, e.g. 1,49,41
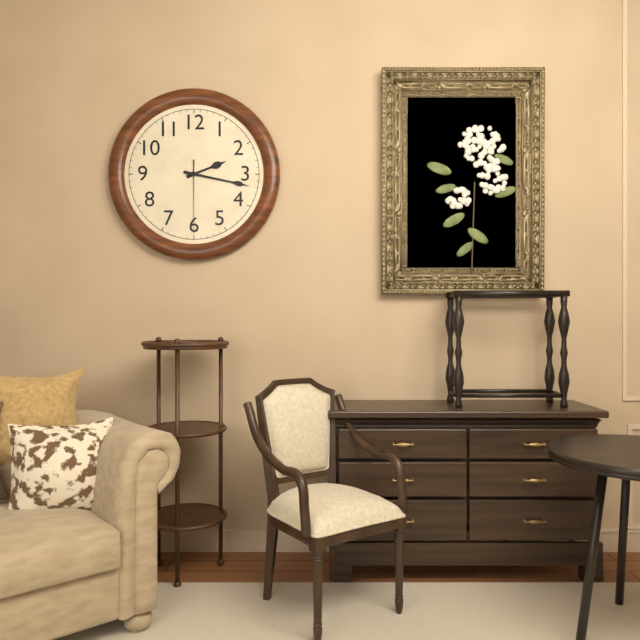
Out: 2,17,30
